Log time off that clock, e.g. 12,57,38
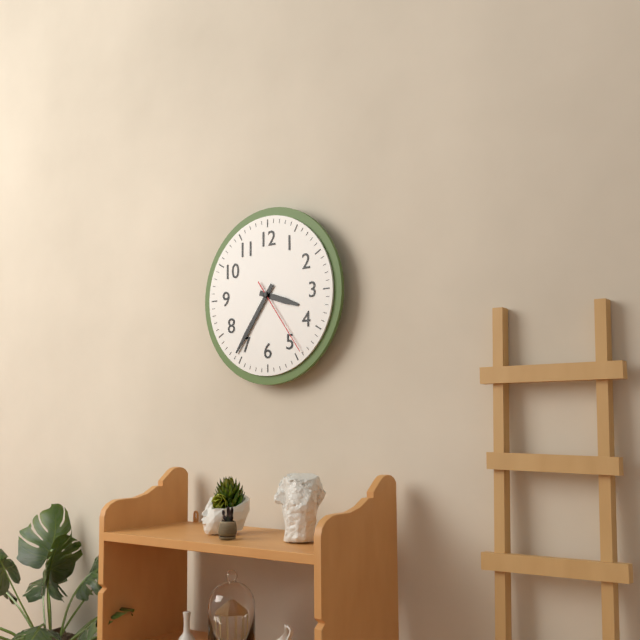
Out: 3,36,24
